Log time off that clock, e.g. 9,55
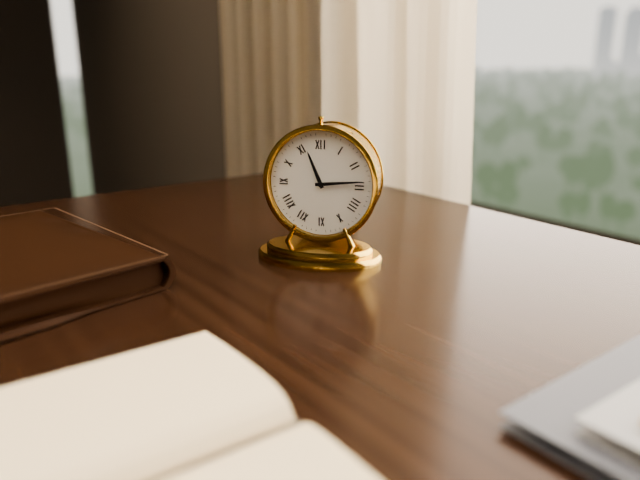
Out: 11,14
